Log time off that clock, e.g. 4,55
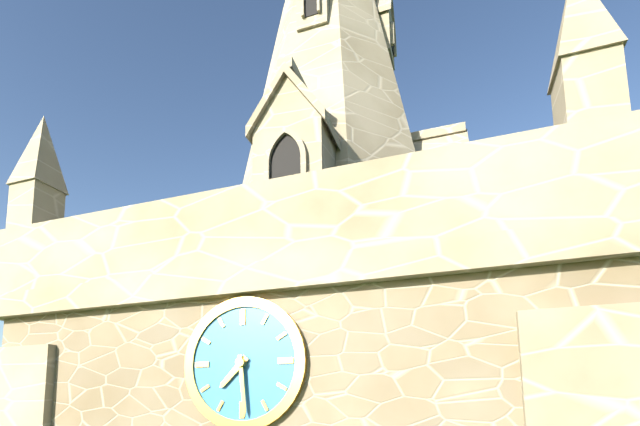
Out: 7,29
